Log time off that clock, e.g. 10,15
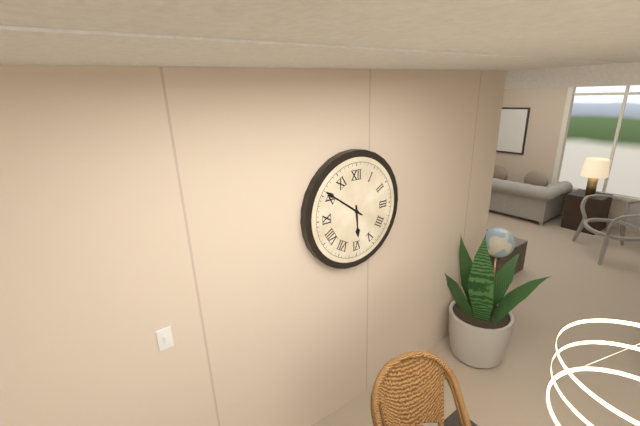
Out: 5,51
